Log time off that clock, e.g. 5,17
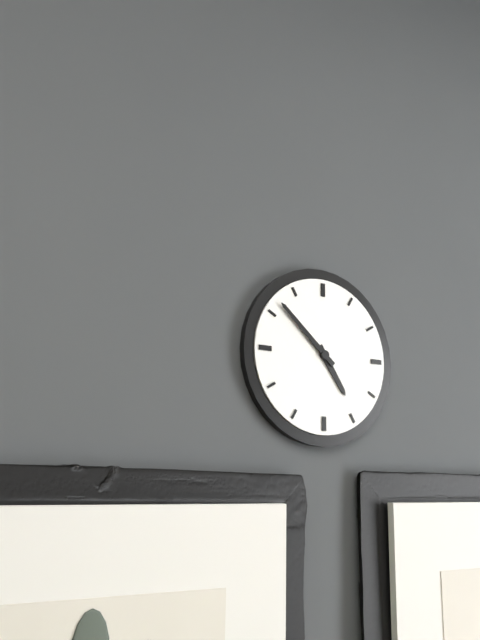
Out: 4,52
